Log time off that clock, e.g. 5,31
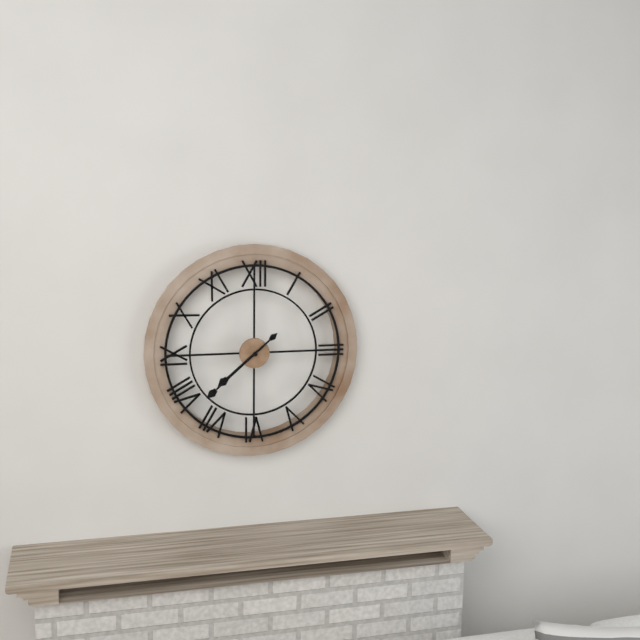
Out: 7,38
